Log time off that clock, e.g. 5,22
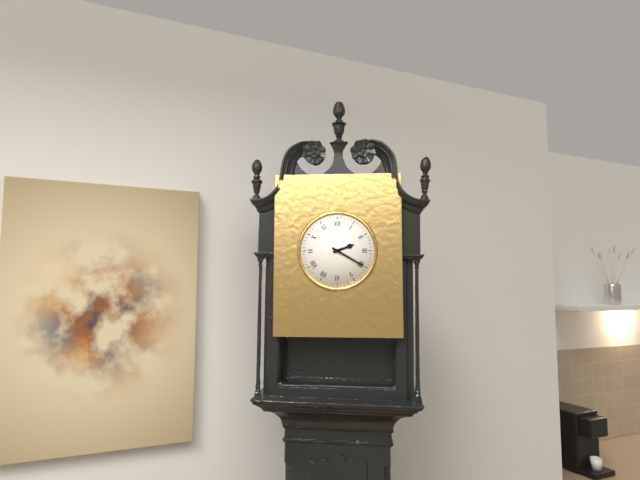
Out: 2,20
